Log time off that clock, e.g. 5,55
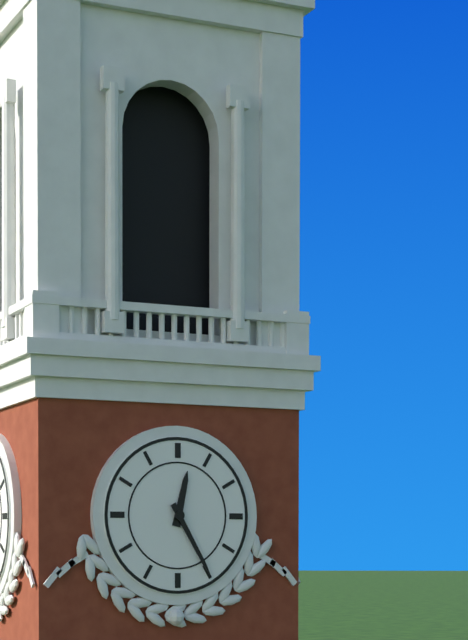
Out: 12,25
